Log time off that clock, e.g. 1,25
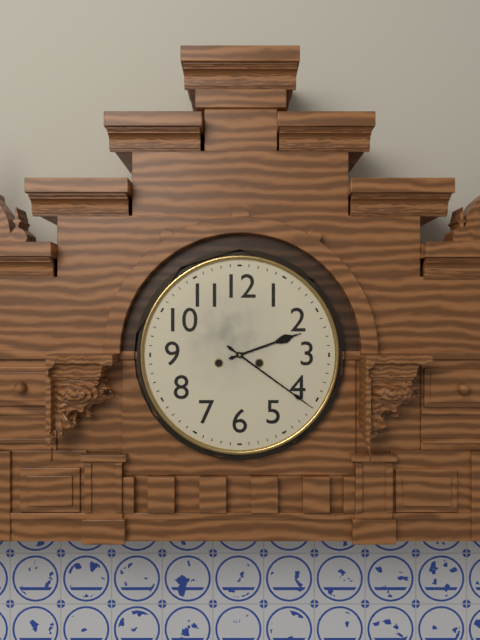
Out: 2,21
